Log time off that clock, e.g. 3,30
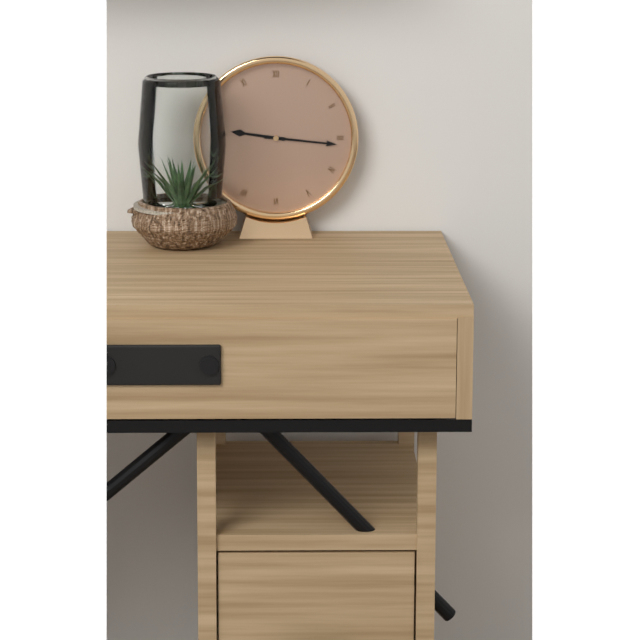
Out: 9,16
